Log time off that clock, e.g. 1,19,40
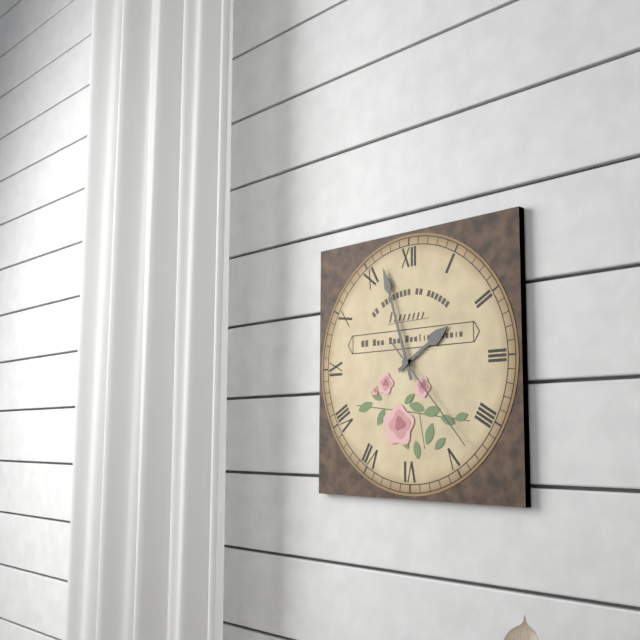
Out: 1,57,23
